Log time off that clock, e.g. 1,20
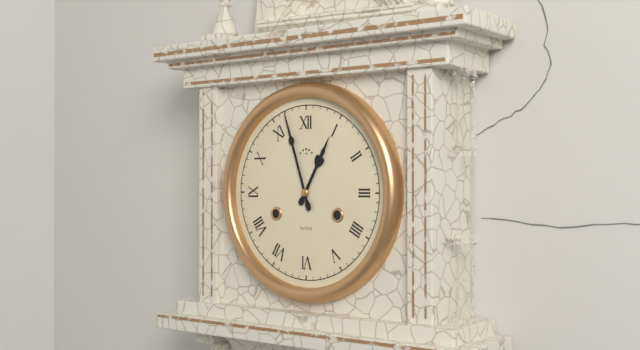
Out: 12,57
